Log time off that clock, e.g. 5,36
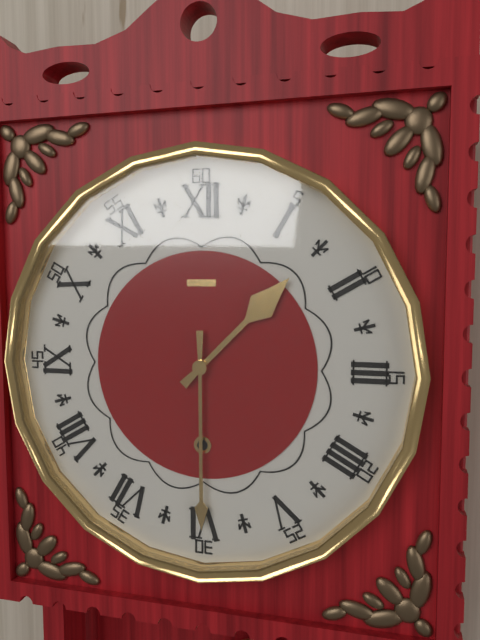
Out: 1,30
